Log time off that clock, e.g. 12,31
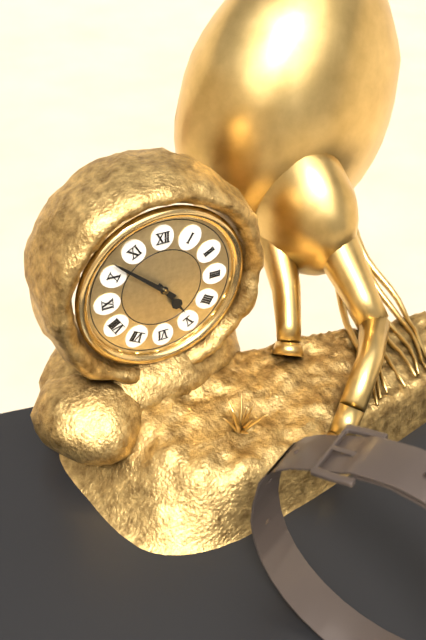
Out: 4,52
